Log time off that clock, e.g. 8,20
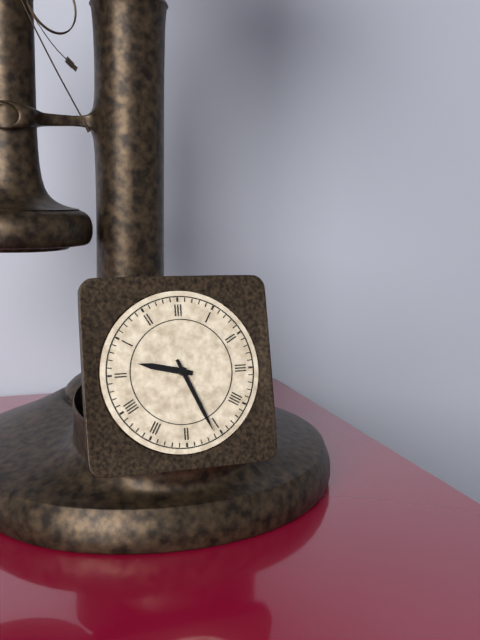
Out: 9,26
